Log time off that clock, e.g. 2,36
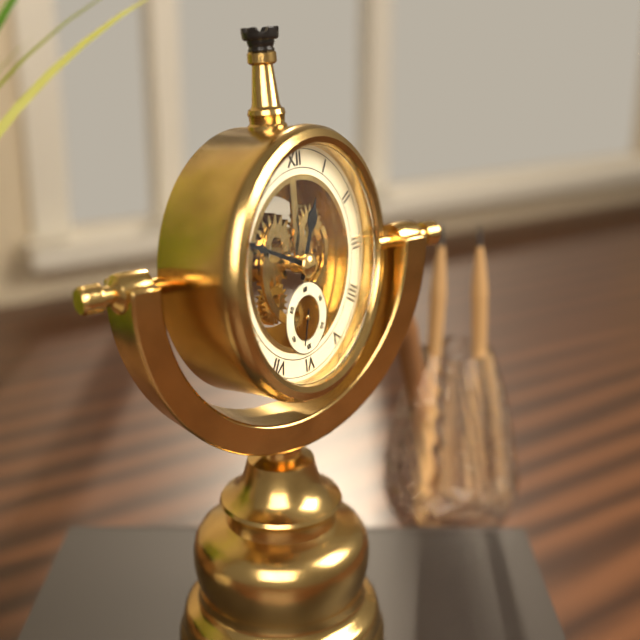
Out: 12,49
